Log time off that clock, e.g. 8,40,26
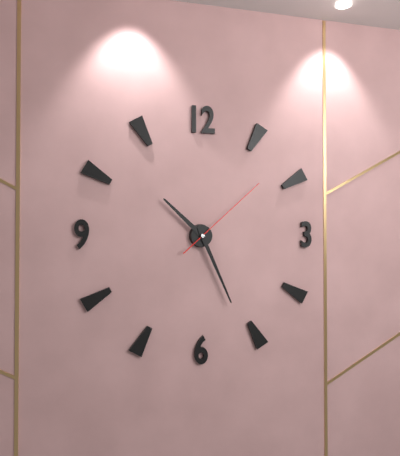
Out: 10,26,08
